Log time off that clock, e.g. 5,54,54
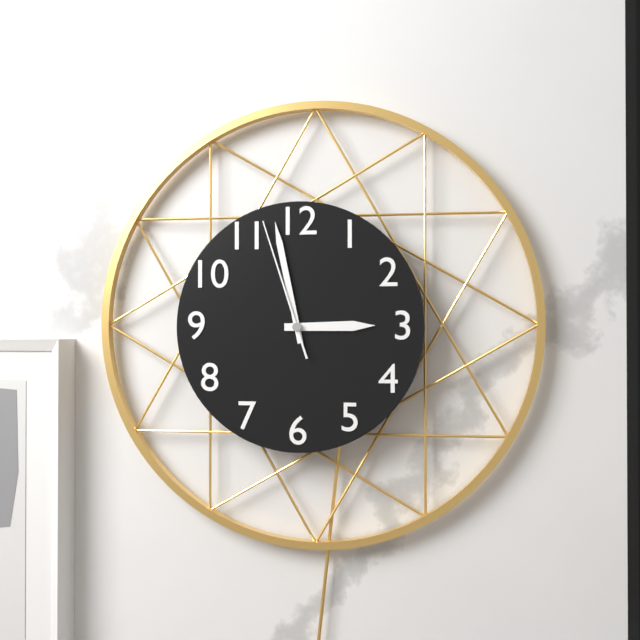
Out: 2,58,57
